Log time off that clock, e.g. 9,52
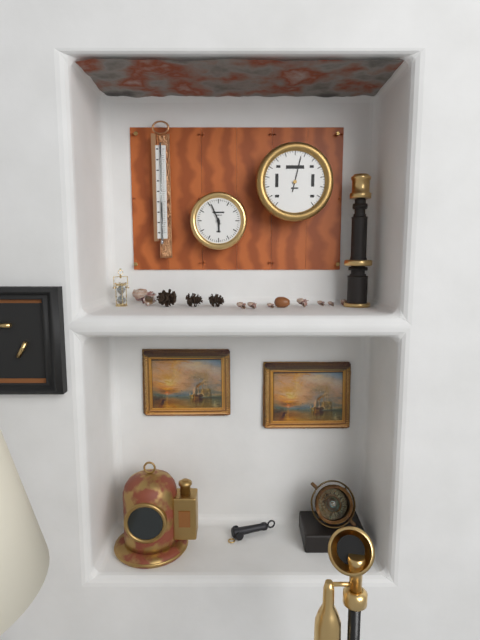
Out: 5,56
